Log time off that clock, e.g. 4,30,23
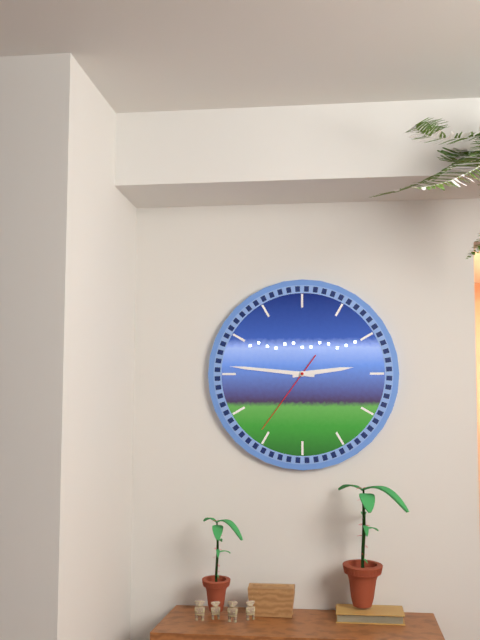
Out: 2,46,36
